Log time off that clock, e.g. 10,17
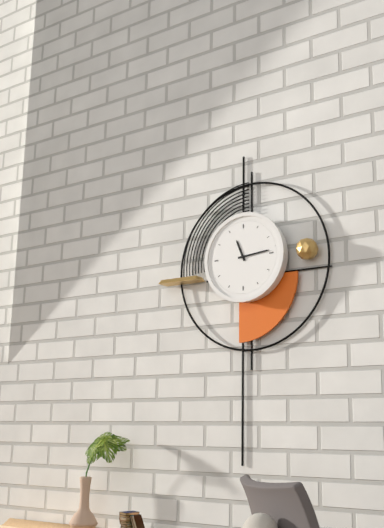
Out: 11,14
